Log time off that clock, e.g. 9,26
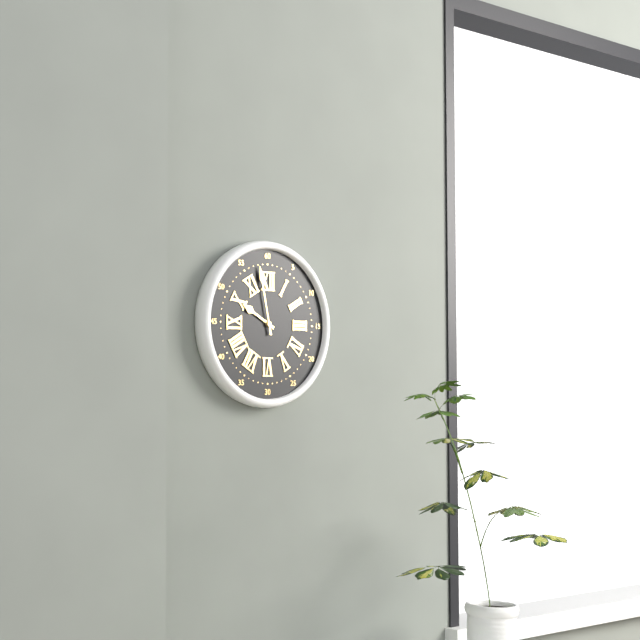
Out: 9,58
